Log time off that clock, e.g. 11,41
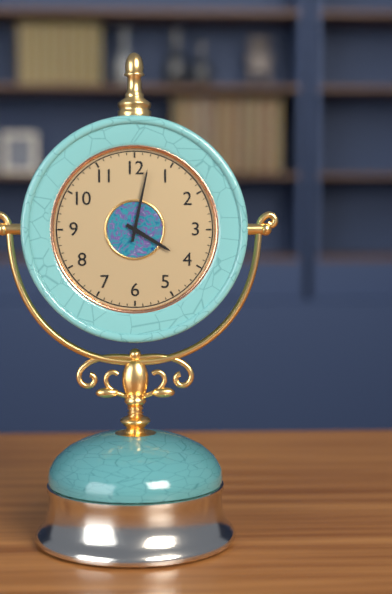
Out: 4,02
